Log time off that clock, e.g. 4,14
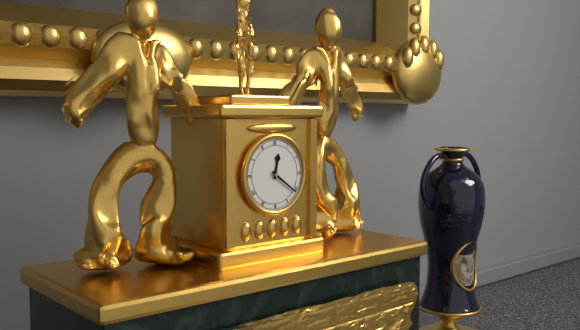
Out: 12,21
